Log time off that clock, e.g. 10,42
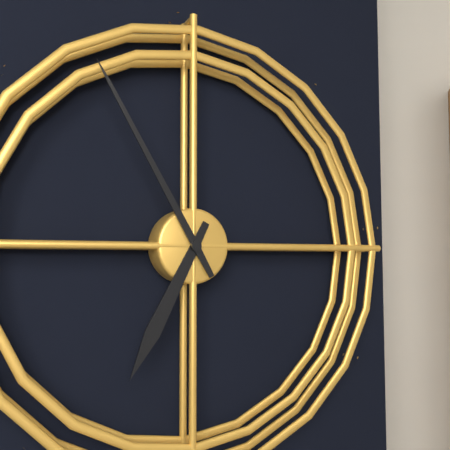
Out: 6,55
